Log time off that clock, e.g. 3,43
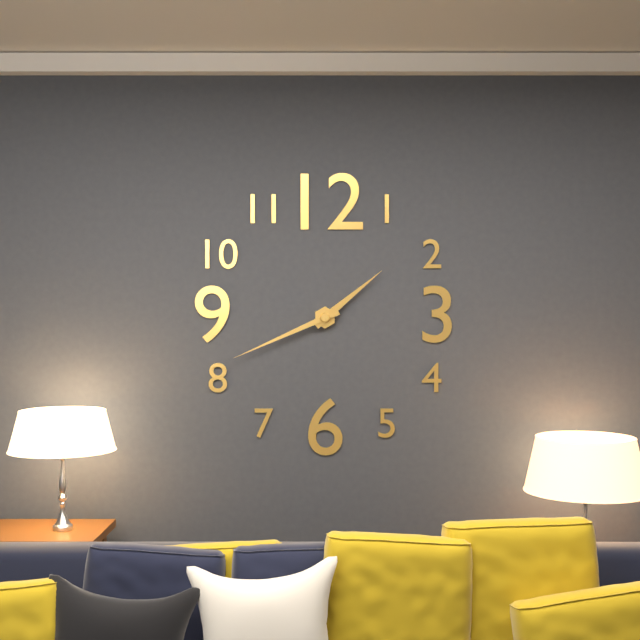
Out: 1,41
